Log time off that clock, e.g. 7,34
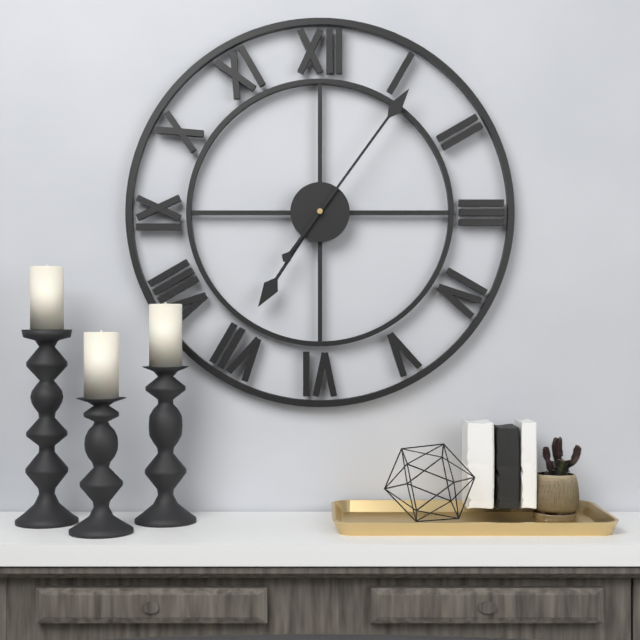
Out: 7,06
